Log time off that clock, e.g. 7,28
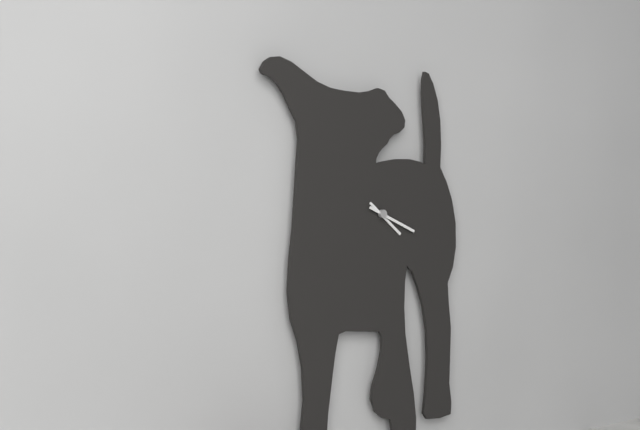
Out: 4,19
